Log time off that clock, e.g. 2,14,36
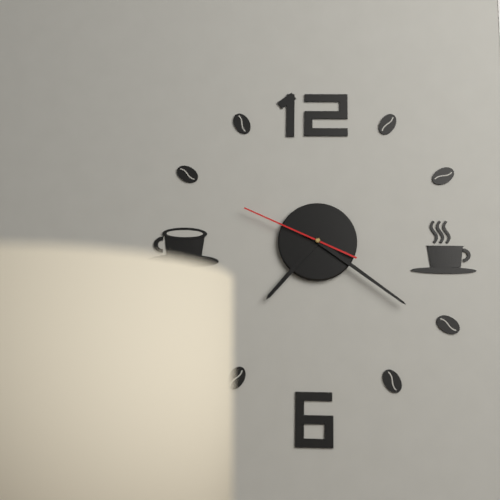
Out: 7,21,49
